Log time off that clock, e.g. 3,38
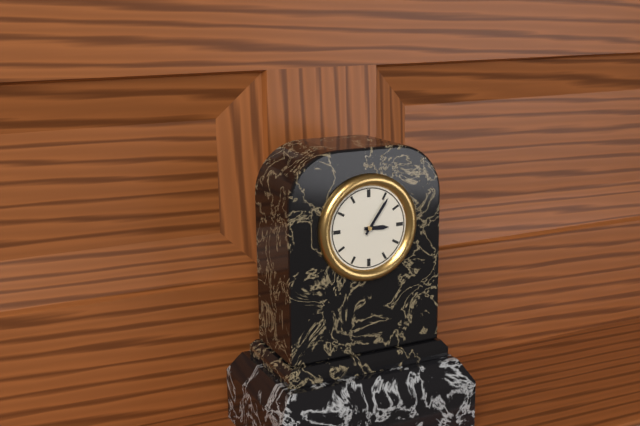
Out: 3,06
